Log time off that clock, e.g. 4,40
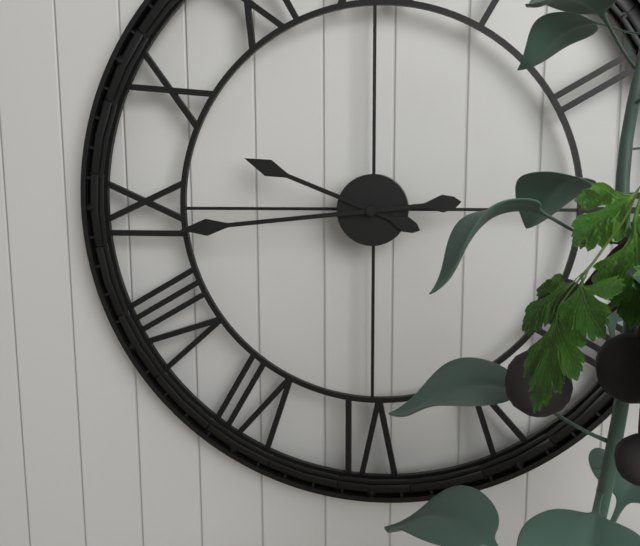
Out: 9,44
